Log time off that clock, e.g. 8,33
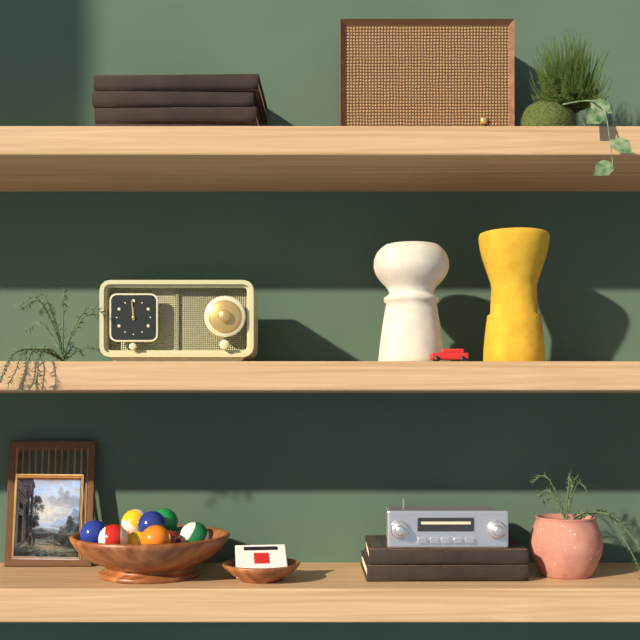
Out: 11,59
